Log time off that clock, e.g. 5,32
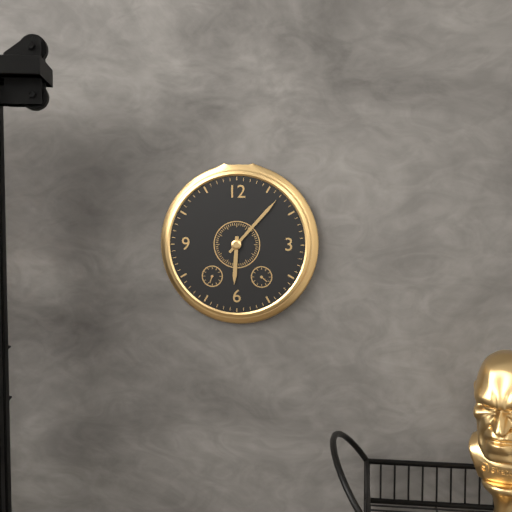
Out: 6,07
